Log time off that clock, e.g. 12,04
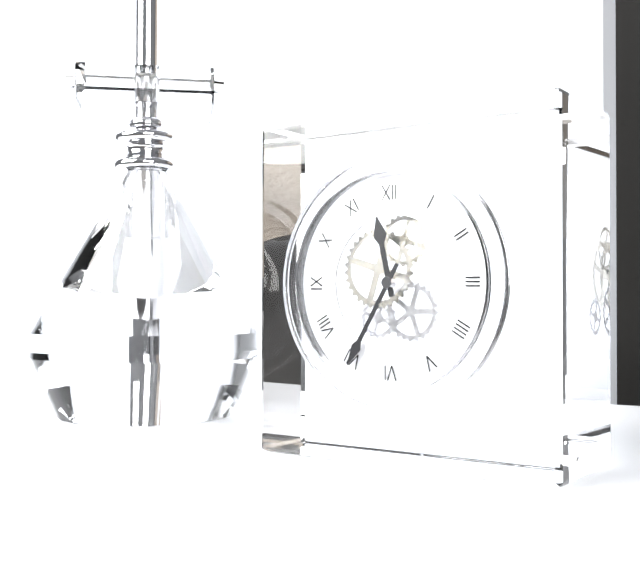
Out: 11,35
